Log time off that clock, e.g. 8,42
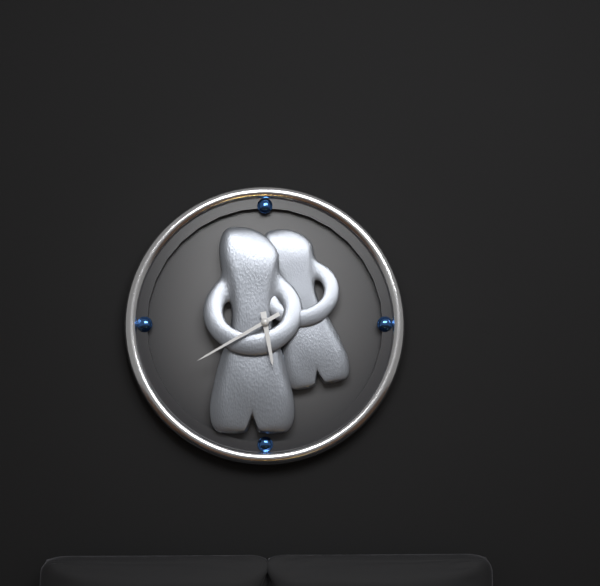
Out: 5,40
